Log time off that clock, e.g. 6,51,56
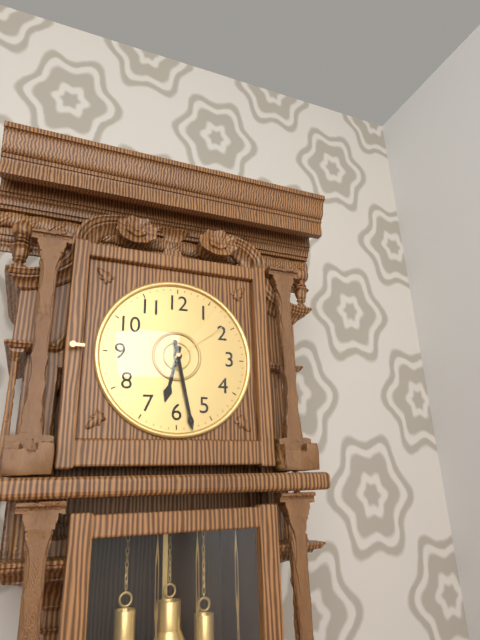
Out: 6,28,09
